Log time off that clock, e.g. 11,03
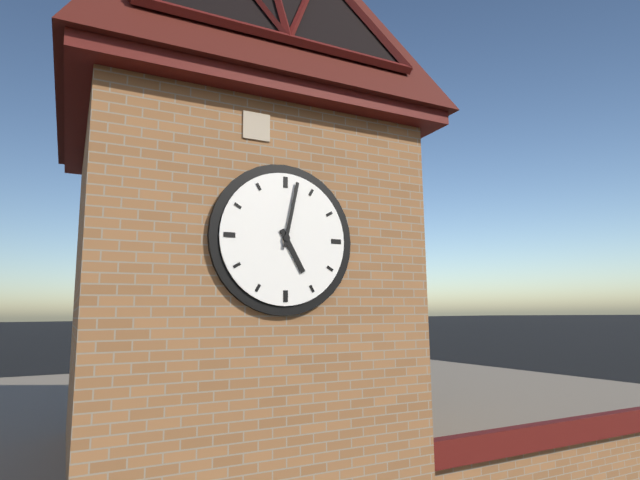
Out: 5,02
